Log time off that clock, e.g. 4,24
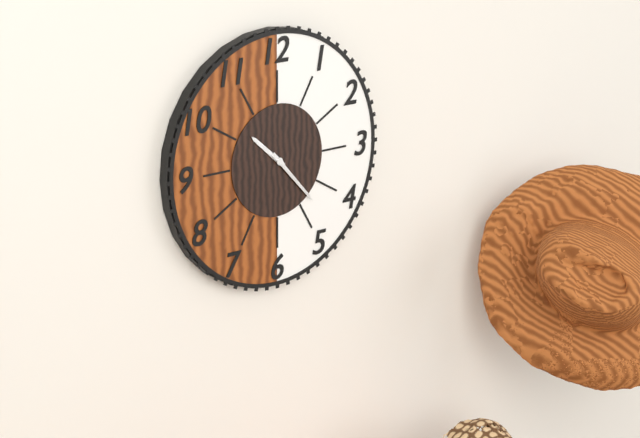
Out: 10,23
